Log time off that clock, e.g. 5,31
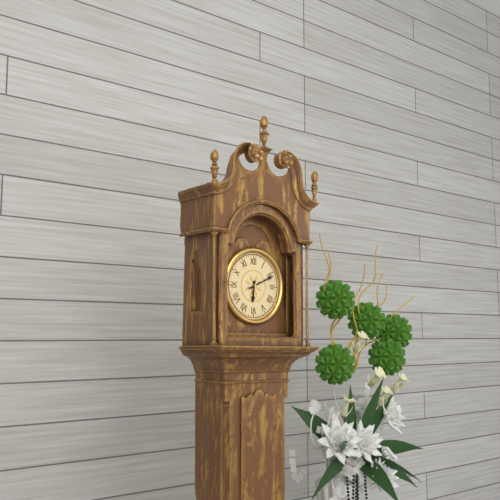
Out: 6,11
